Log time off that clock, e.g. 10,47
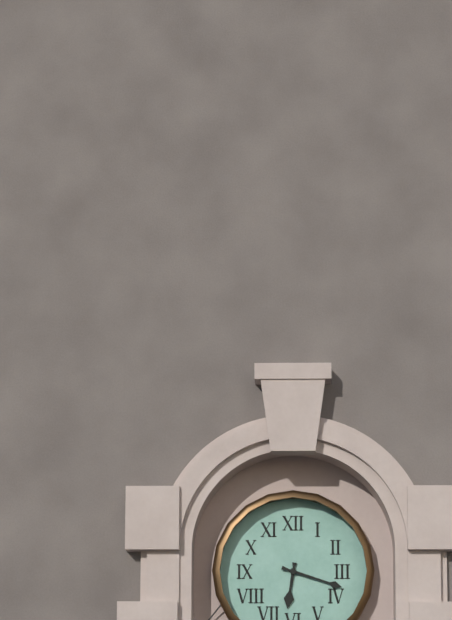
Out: 6,18
